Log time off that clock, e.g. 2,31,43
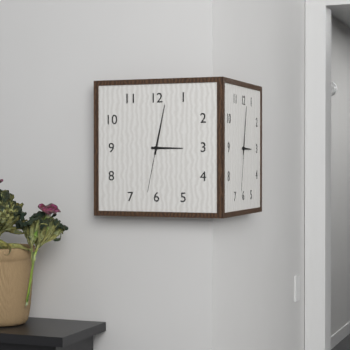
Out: 3,02,32
